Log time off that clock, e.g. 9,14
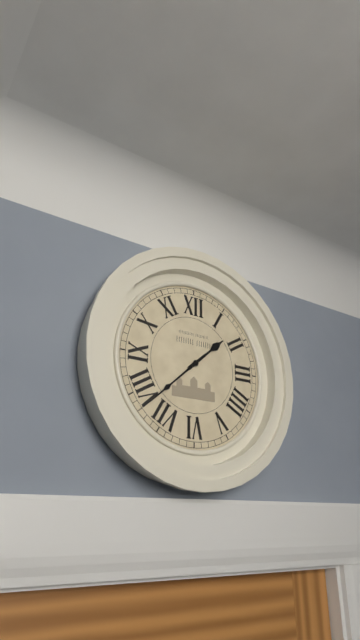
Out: 1,38
